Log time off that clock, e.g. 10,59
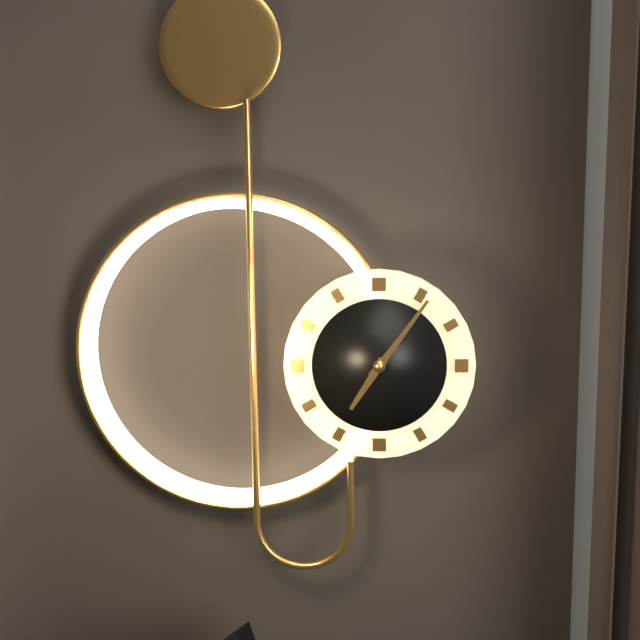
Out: 7,06
